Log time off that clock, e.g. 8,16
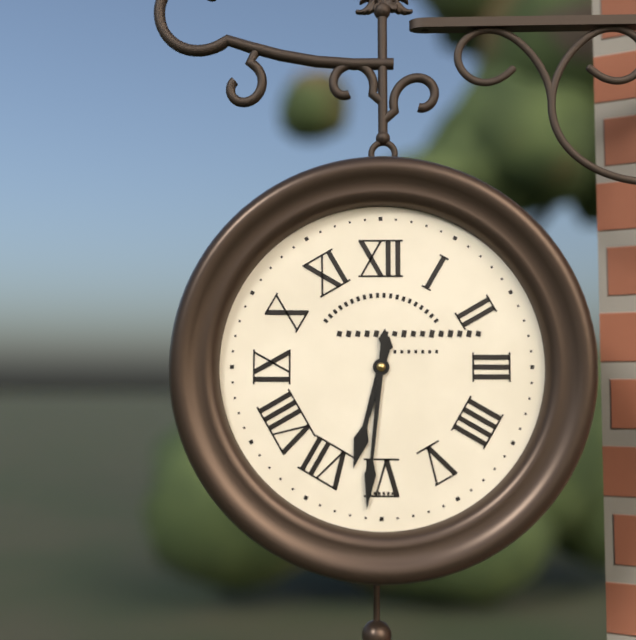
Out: 6,31
